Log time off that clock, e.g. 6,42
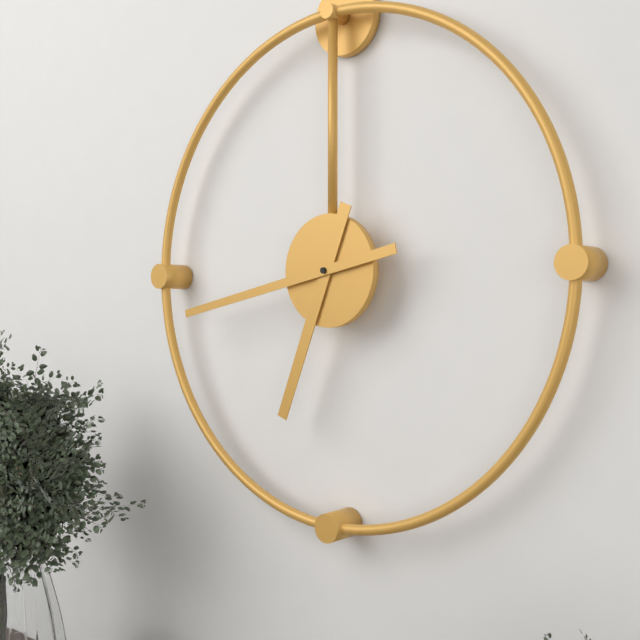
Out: 6,43
